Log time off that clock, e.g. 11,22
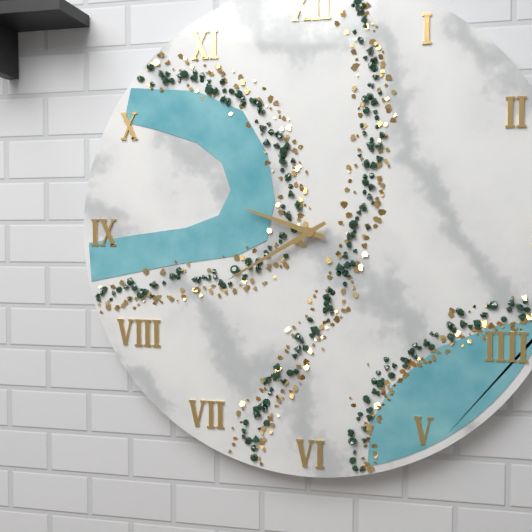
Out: 9,40
